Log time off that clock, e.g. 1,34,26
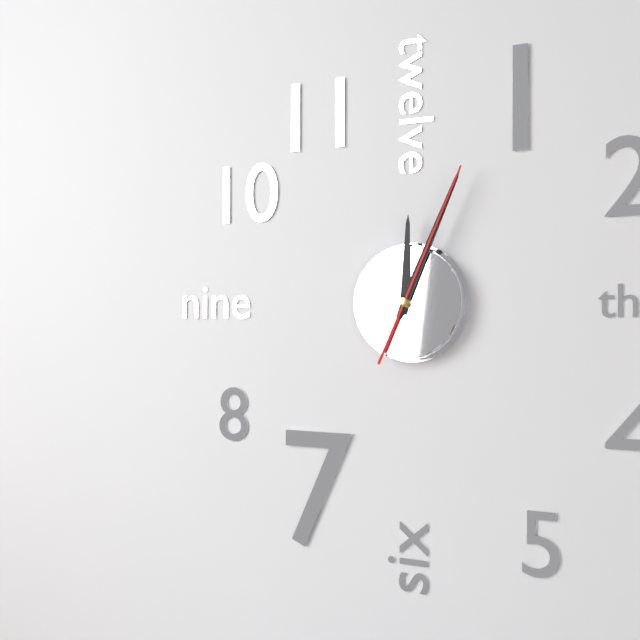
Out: 12,04,04
